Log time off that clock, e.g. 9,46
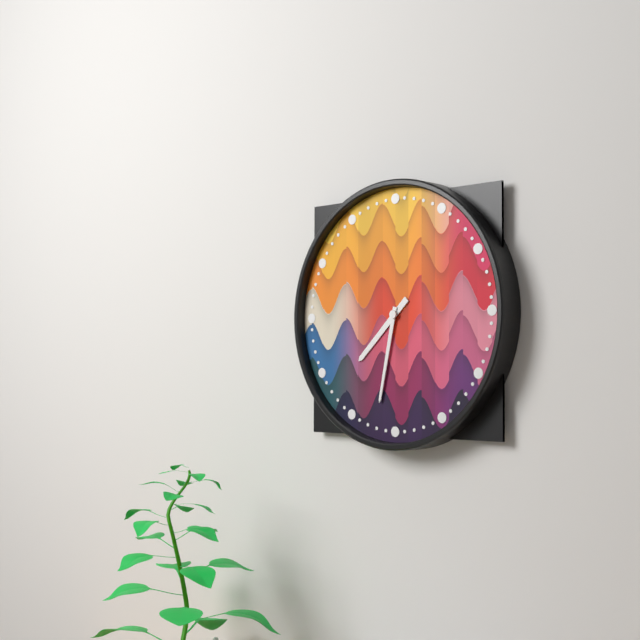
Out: 7,32
